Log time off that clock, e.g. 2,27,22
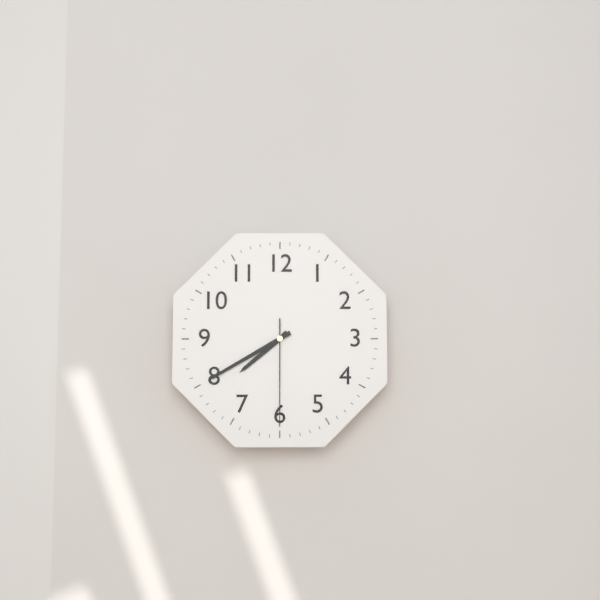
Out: 7,40,30
